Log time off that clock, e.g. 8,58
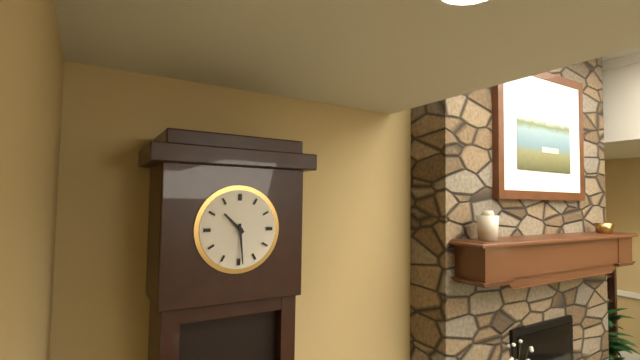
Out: 10,29
